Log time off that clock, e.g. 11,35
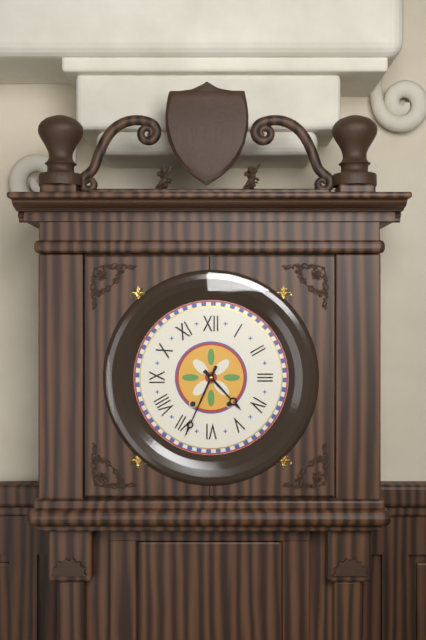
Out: 4,34
